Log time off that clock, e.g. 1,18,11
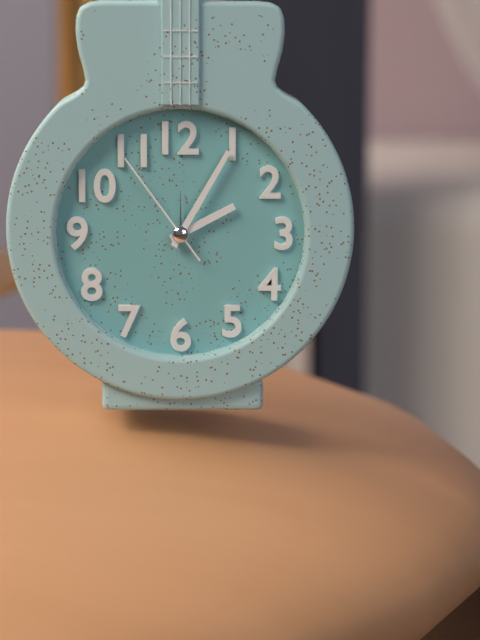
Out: 2,05,54
